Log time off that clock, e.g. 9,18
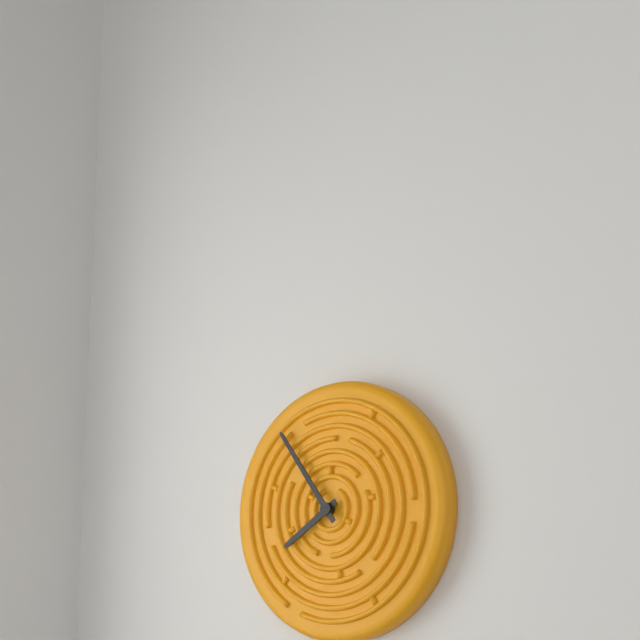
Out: 7,54
